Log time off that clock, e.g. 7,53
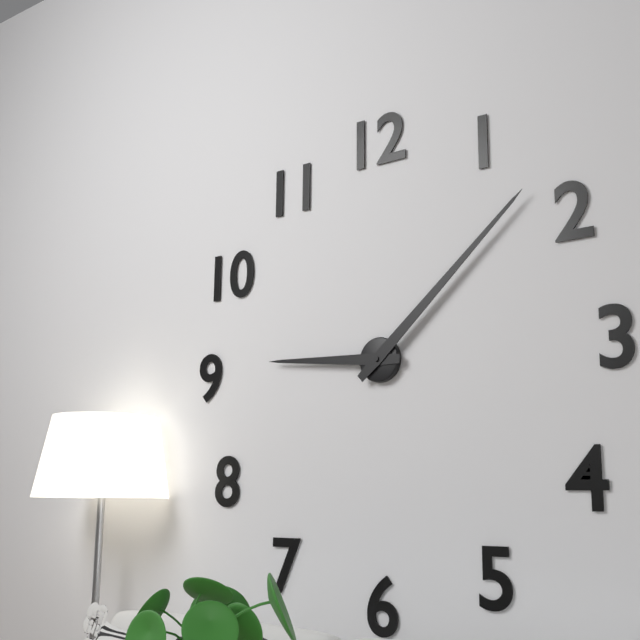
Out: 9,08
